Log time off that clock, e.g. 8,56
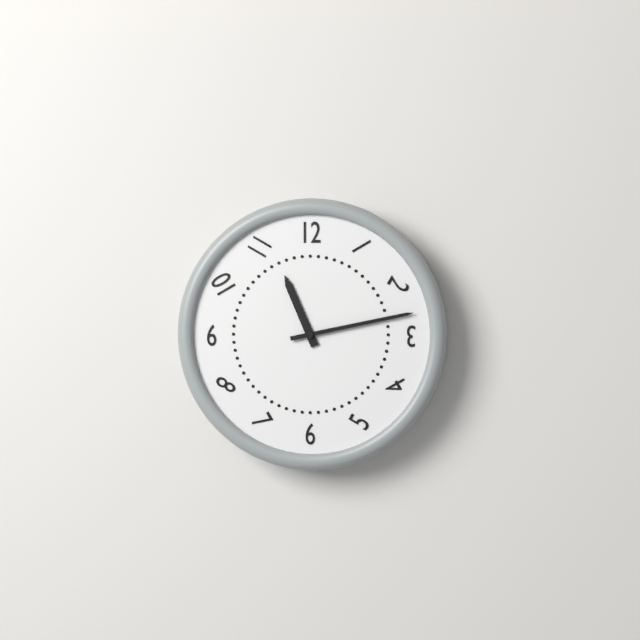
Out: 11,13
